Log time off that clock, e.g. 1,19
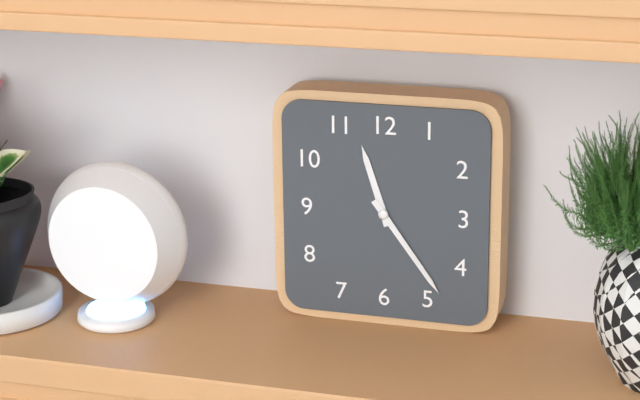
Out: 11,24
